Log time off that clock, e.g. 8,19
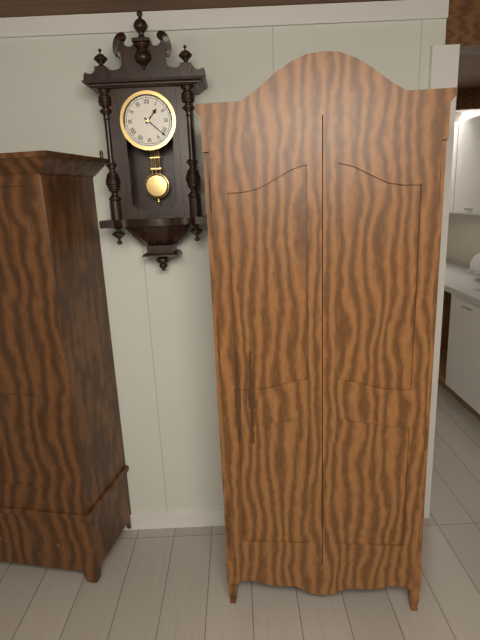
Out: 1,22
